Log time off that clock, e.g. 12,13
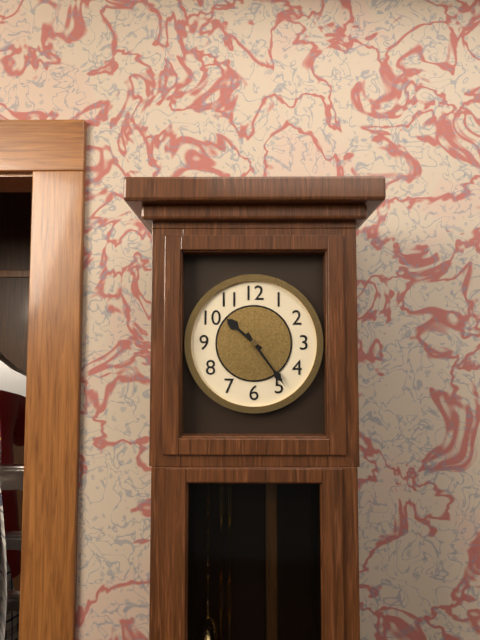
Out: 10,24
